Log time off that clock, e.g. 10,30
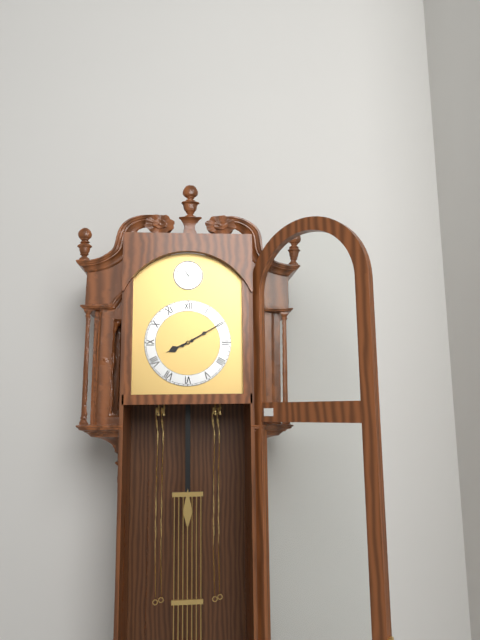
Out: 8,10
